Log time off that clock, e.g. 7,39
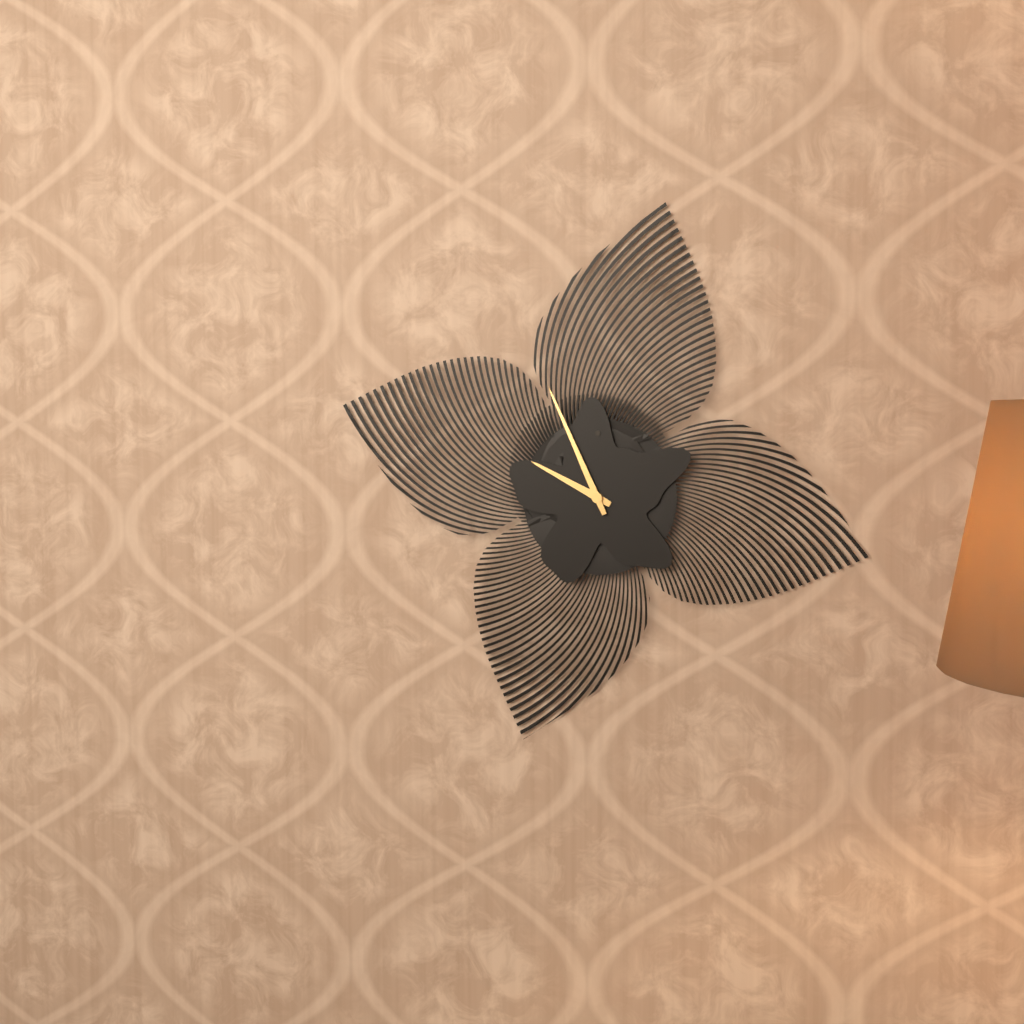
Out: 9,56
